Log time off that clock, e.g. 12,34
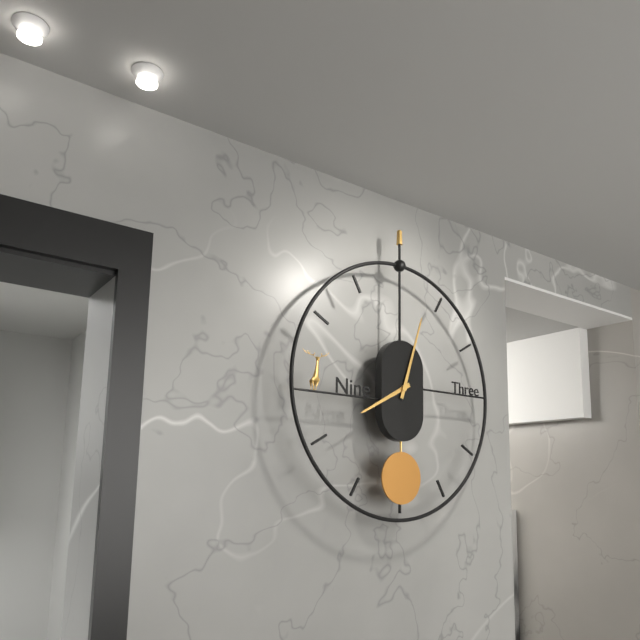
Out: 8,03
